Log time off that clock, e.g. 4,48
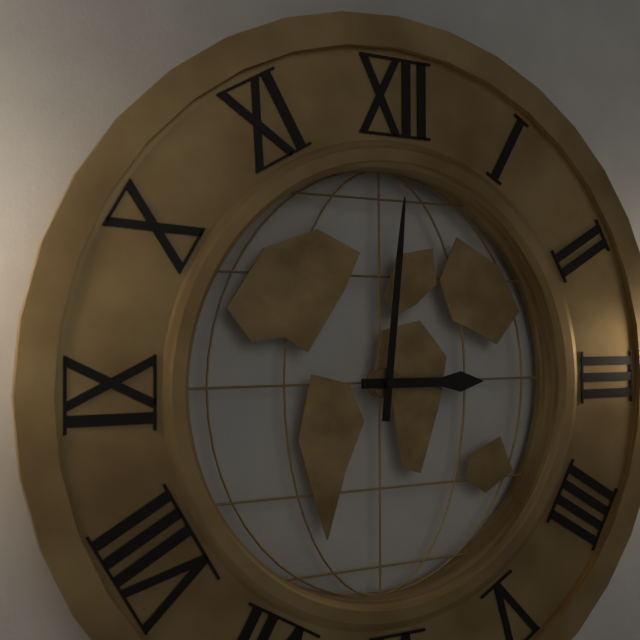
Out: 3,01
